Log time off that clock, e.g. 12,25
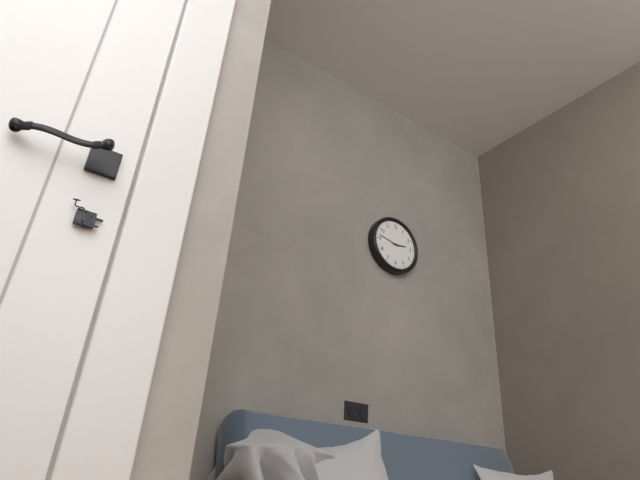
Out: 2,47
